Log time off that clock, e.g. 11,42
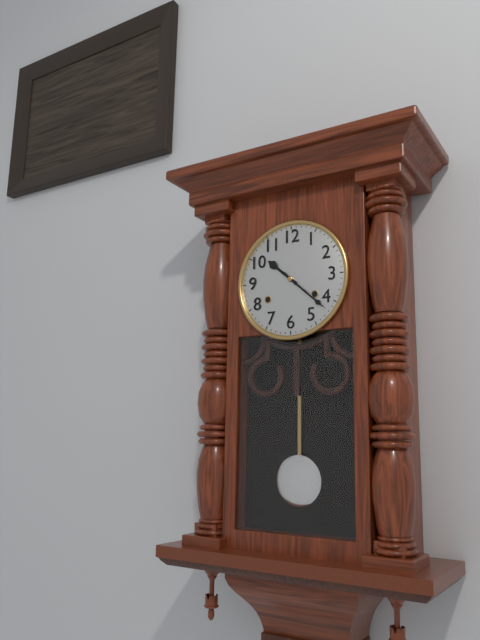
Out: 10,22
